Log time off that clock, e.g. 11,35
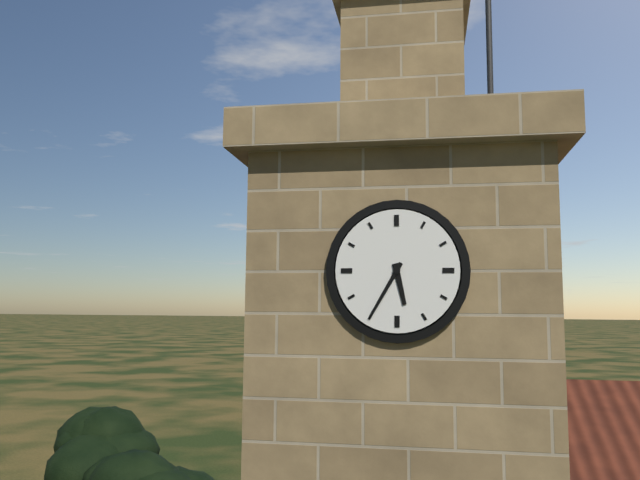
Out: 5,35
